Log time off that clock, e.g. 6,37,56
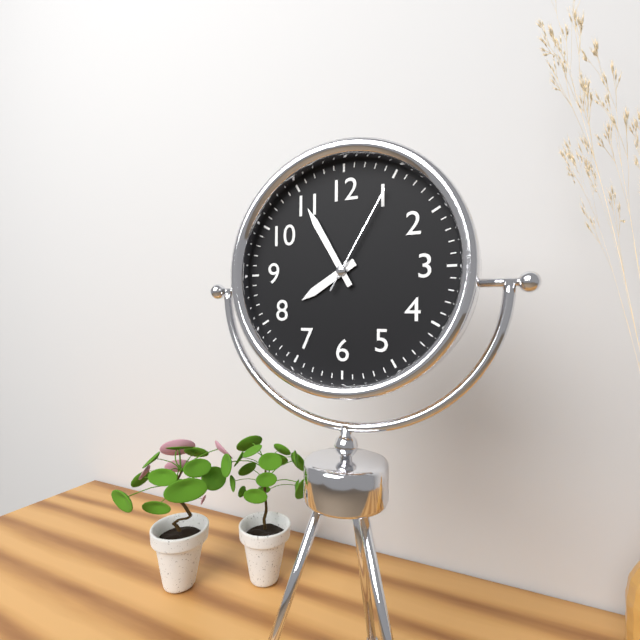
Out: 7,55,05
